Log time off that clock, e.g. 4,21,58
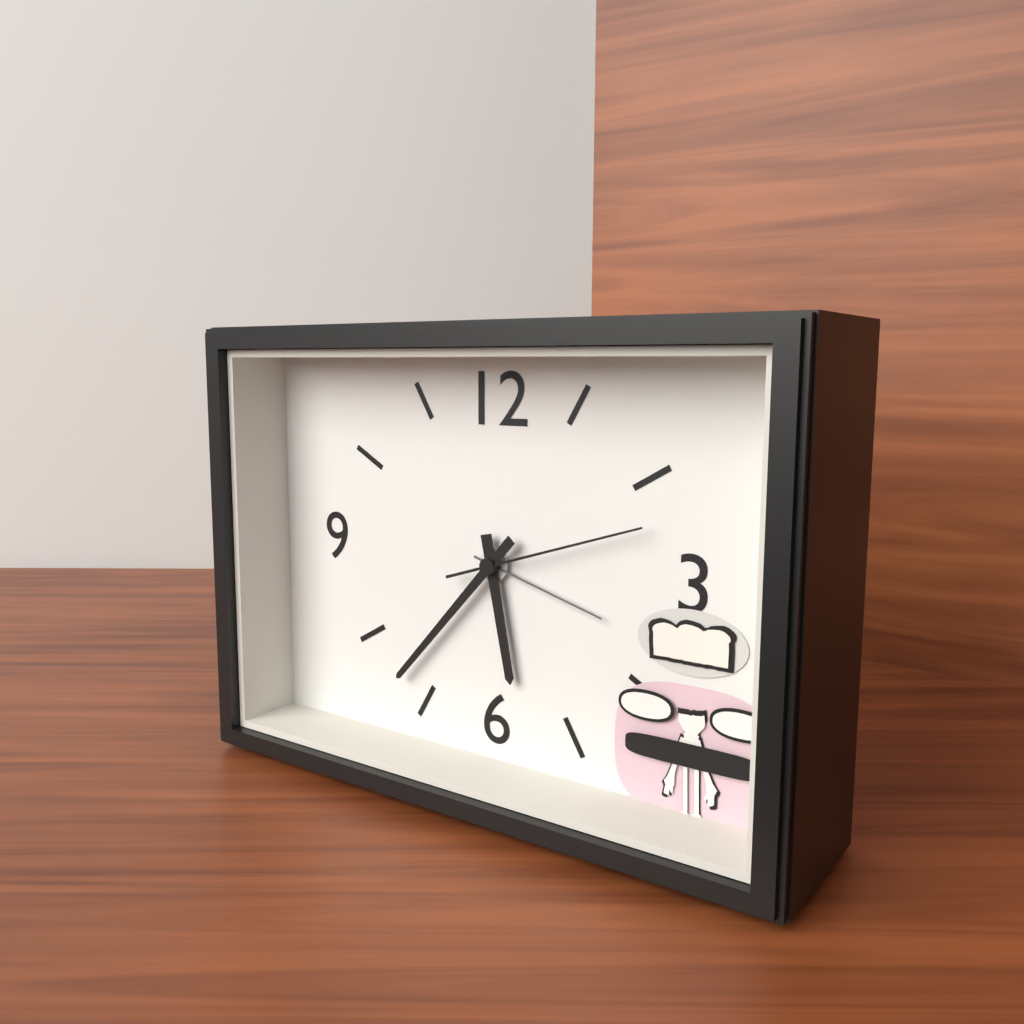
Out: 5,37,12
